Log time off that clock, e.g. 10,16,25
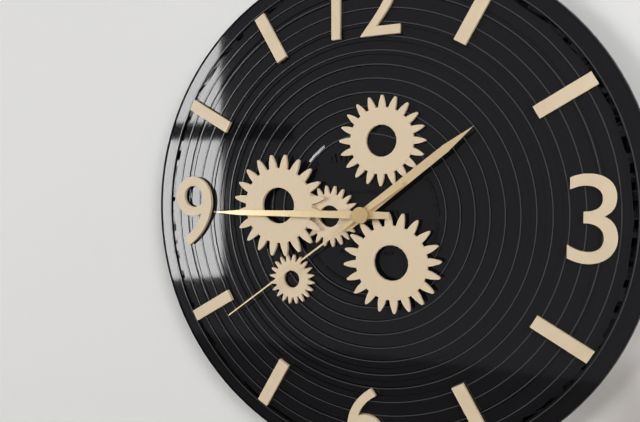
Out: 1,45,39
